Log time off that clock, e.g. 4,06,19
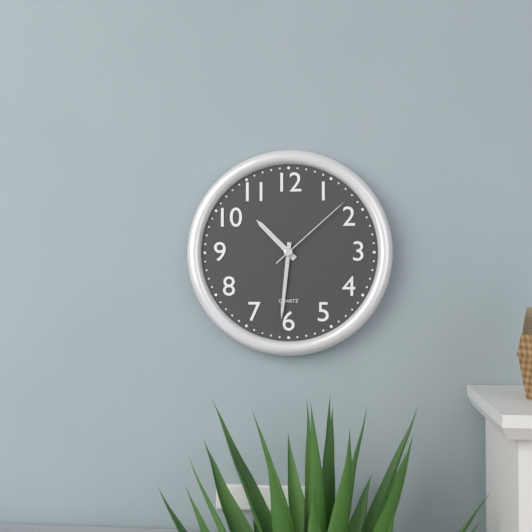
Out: 10,31,08
